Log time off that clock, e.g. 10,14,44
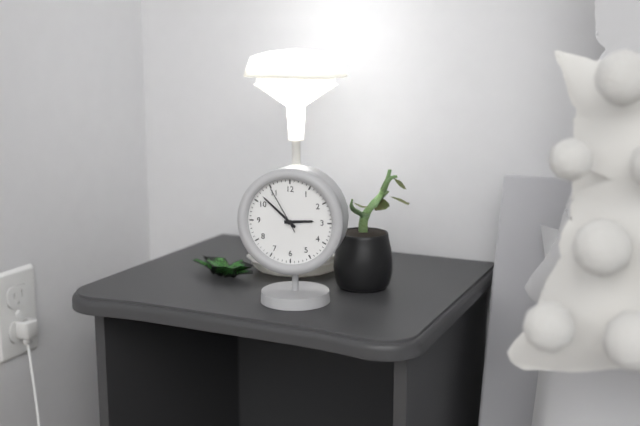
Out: 2,52,55
